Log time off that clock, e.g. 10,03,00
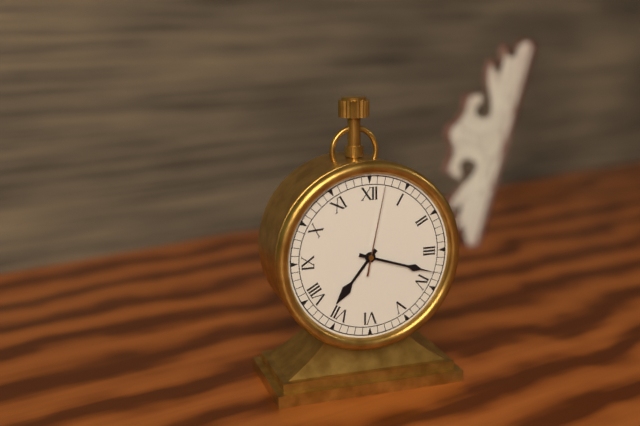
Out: 7,18,02
